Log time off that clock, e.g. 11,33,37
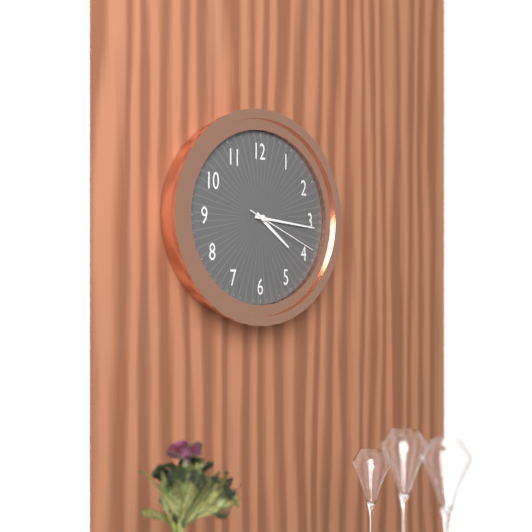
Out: 4,16,19
